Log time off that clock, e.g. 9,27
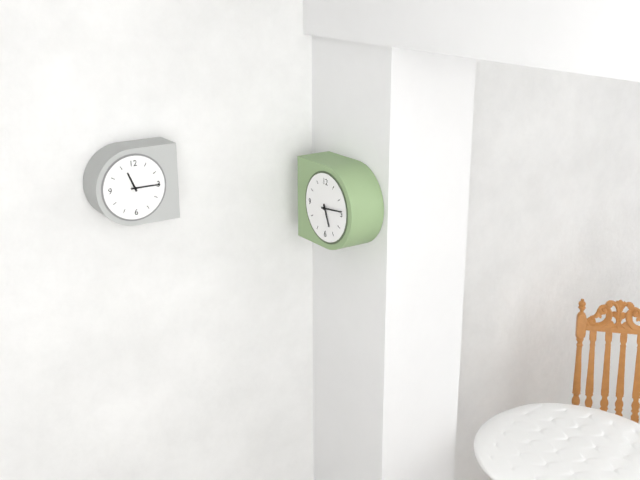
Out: 5,14
